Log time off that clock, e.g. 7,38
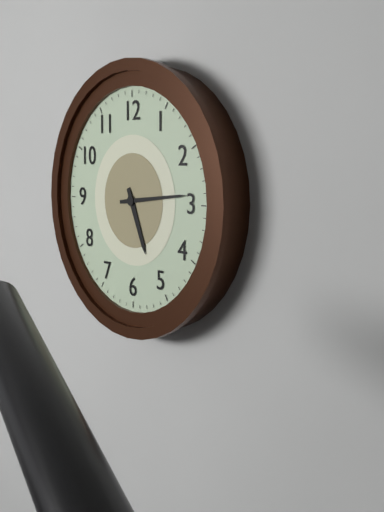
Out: 5,14
